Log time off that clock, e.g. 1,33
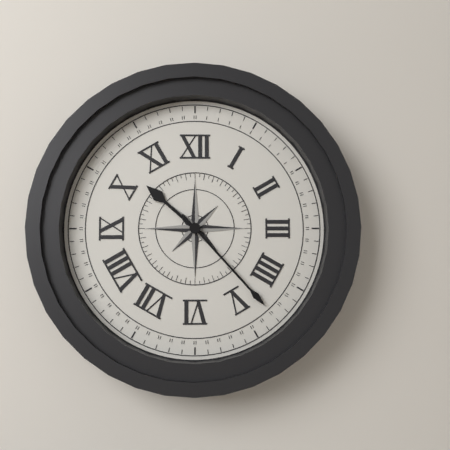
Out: 10,23
